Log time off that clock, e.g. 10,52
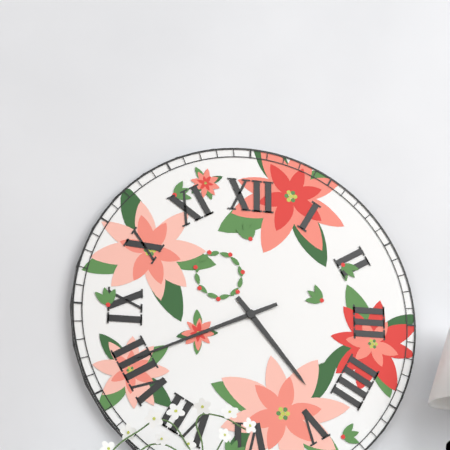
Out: 4,41
